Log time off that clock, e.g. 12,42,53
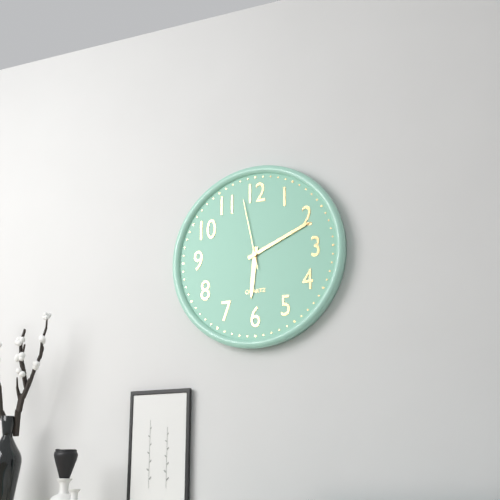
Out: 6,11,58
